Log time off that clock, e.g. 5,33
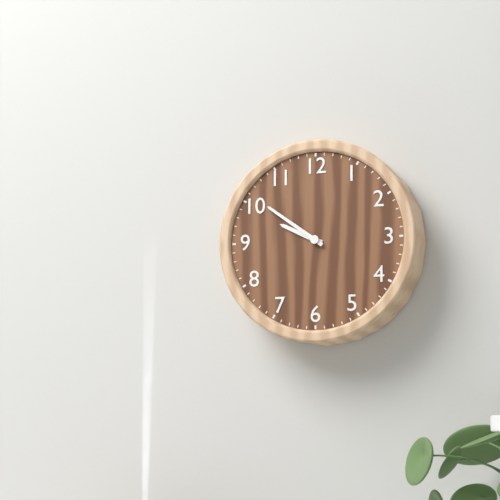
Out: 9,51
